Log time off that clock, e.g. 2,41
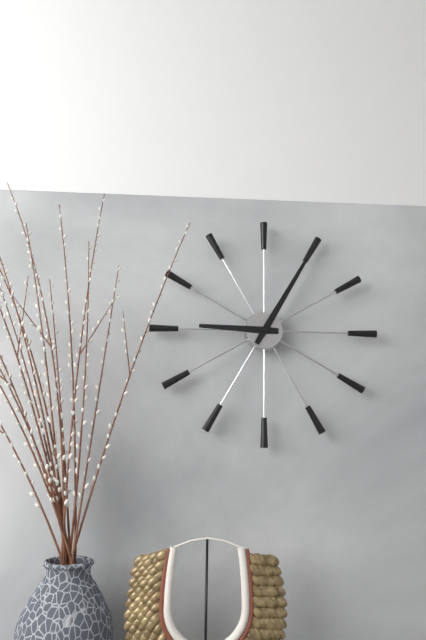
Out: 9,05
